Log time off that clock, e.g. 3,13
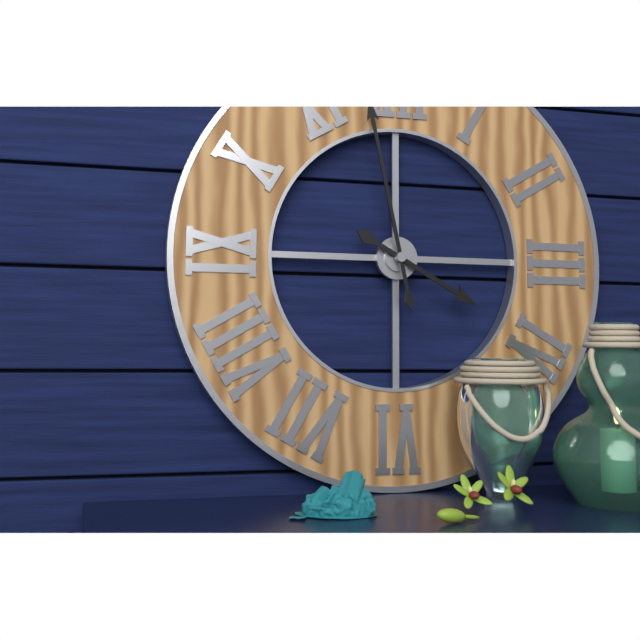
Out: 3,58
